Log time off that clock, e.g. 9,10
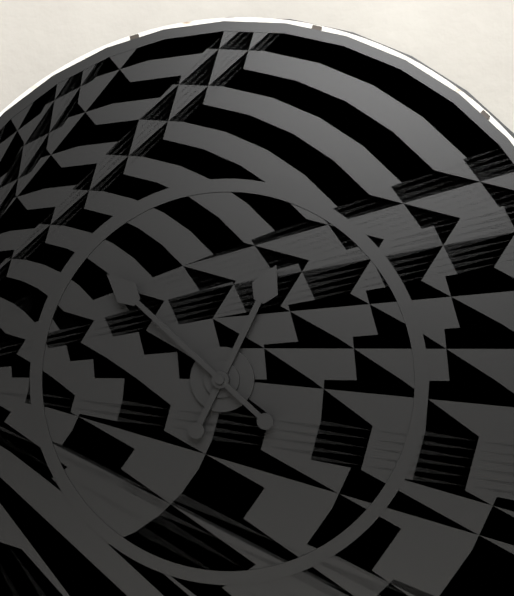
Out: 12,52
